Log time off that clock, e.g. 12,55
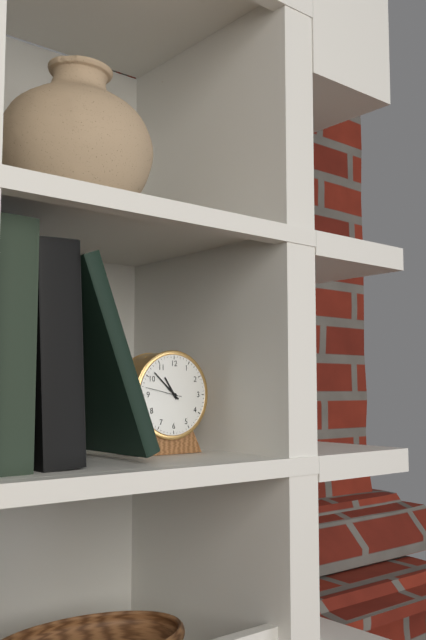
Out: 10,52
